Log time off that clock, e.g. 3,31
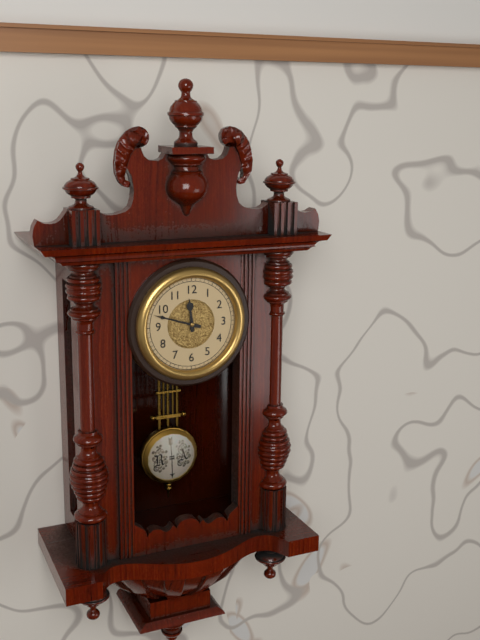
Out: 11,48
